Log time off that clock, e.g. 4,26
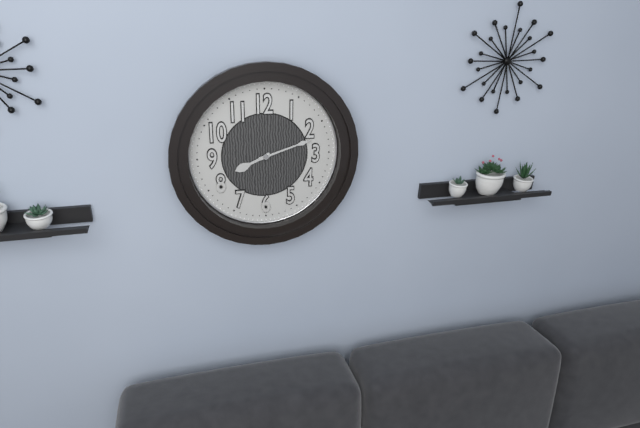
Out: 8,12
